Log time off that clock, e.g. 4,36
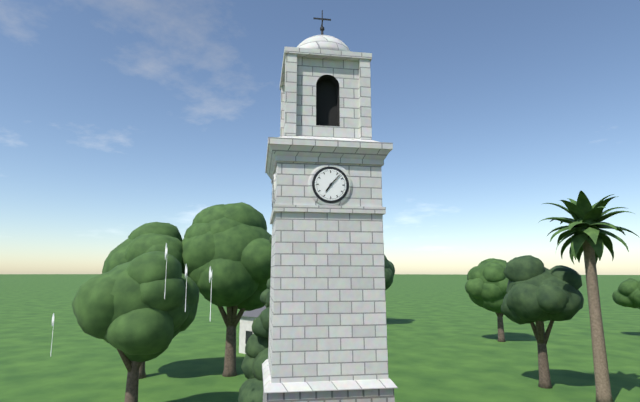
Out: 7,07
